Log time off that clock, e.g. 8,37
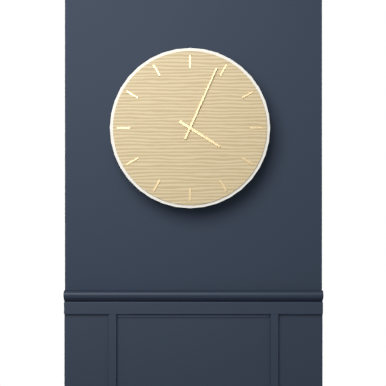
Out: 4,04
